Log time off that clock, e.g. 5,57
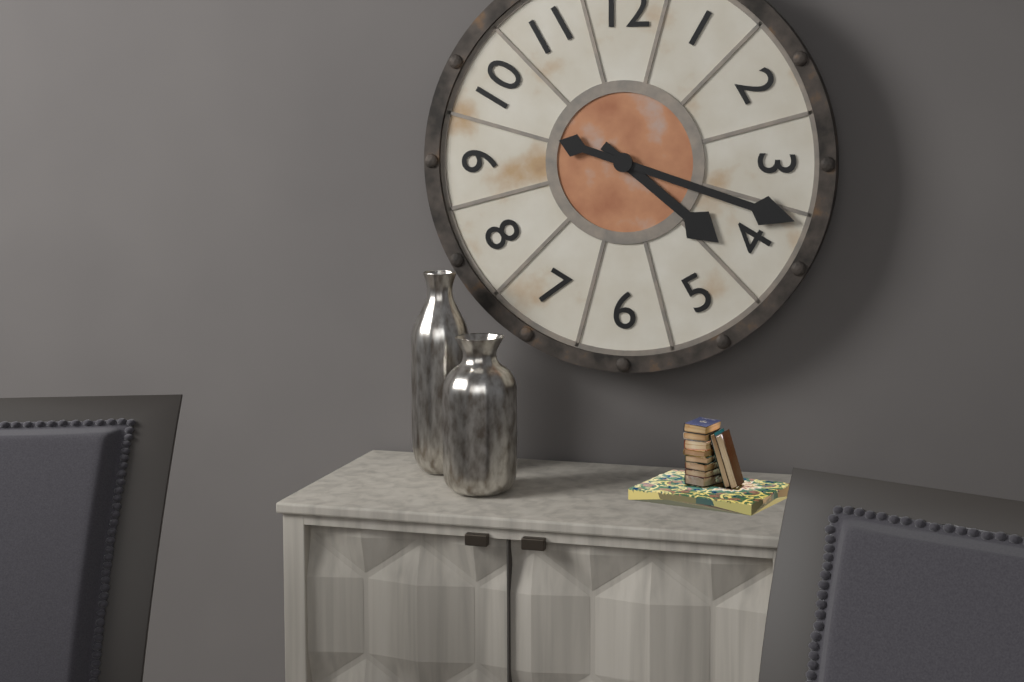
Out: 4,18
